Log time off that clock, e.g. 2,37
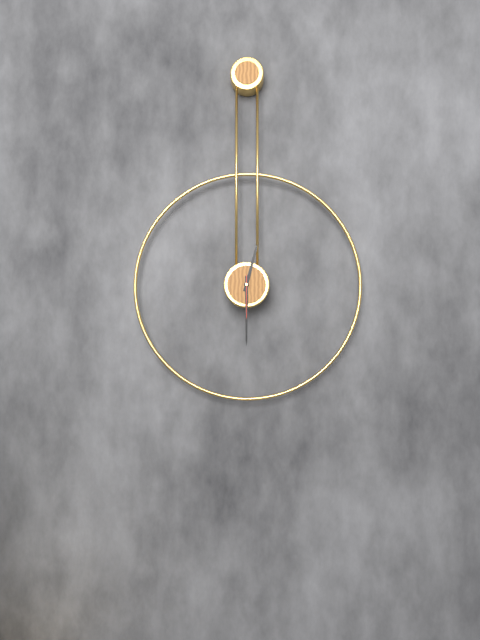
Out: 12,30
